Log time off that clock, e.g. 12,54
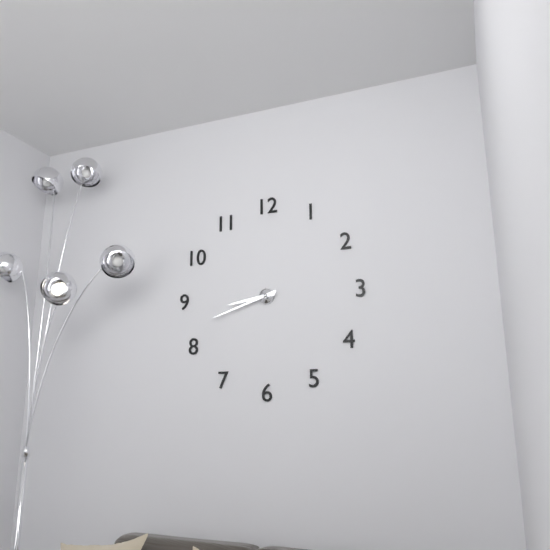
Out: 8,42
